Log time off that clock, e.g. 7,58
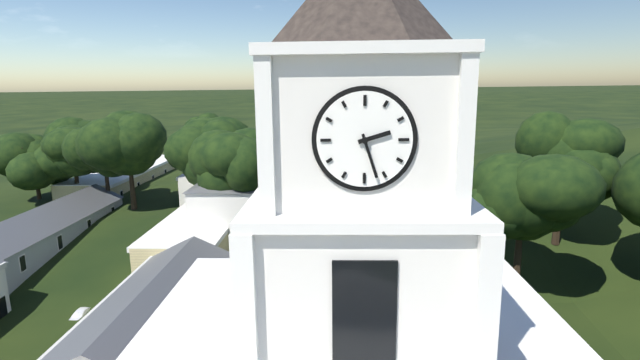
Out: 2,27
